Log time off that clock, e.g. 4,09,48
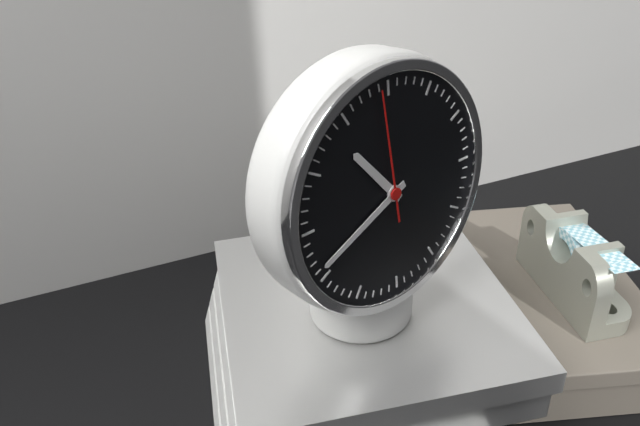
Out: 10,41,59
